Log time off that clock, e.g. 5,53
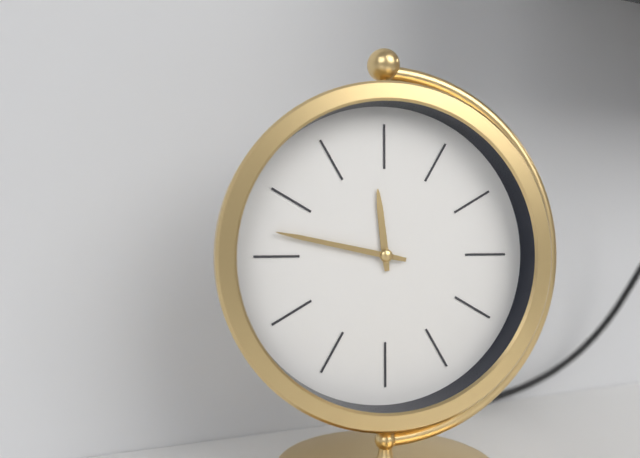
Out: 11,47
